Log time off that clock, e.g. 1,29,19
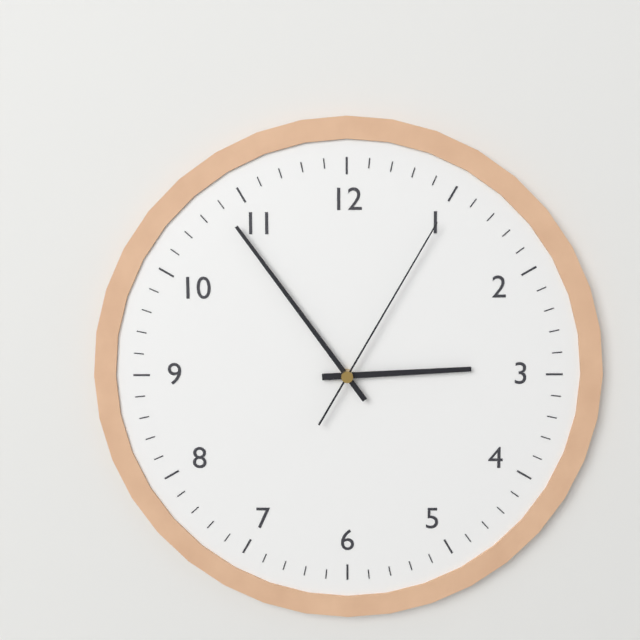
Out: 2,54,05
